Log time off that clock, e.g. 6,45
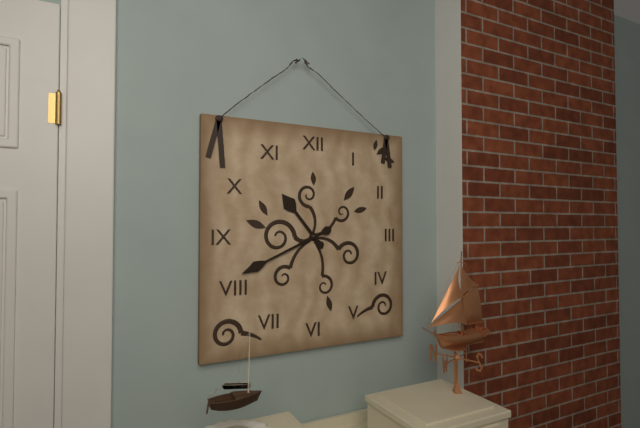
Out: 10,41
